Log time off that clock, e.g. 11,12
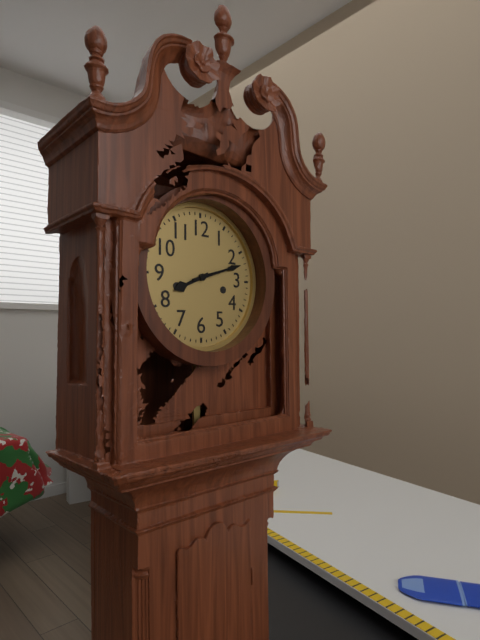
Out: 8,12
